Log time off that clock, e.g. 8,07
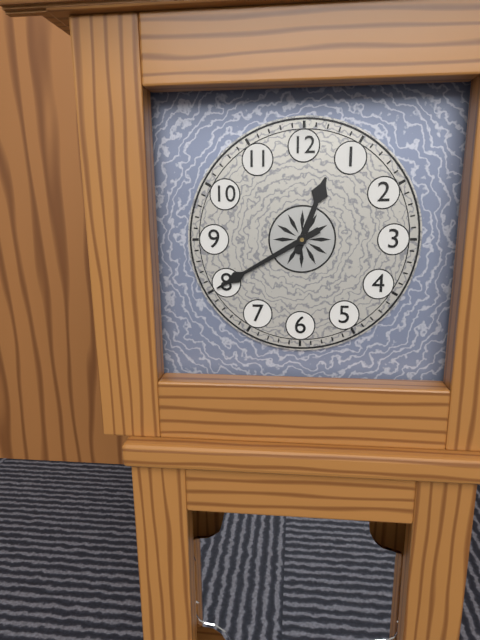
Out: 12,40
